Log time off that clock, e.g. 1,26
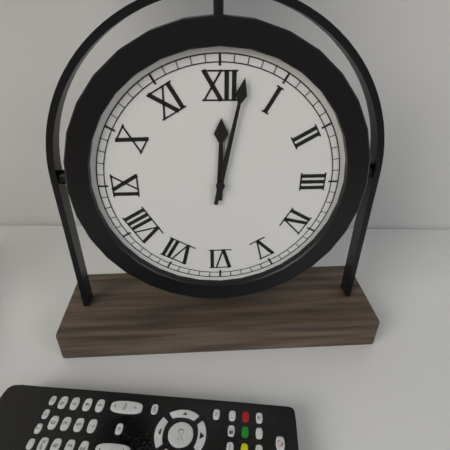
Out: 12,02
